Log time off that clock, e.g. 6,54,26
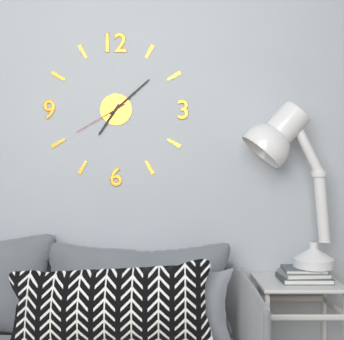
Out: 7,08,40
